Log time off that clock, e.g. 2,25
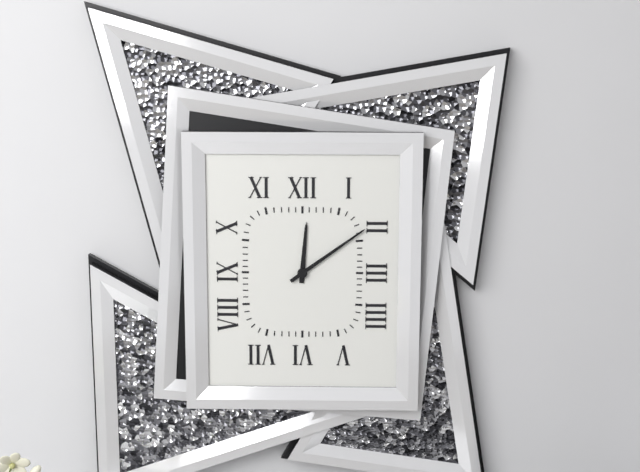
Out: 12,09
